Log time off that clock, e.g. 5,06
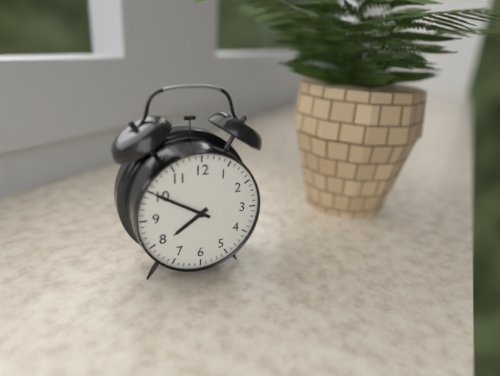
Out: 7,50
